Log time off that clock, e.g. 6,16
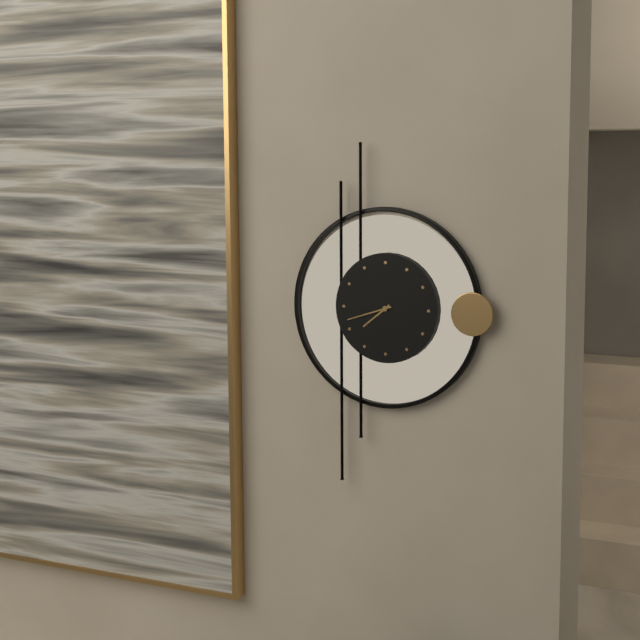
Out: 7,42
